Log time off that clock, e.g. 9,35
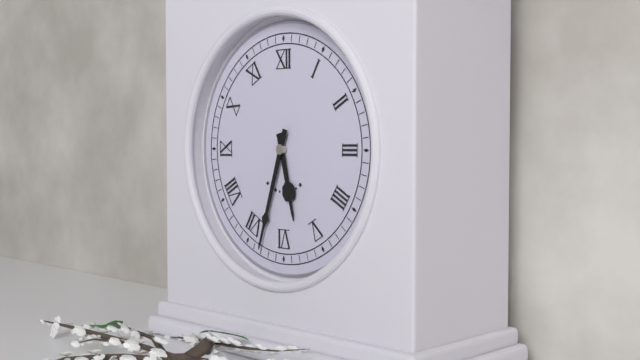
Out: 5,33
